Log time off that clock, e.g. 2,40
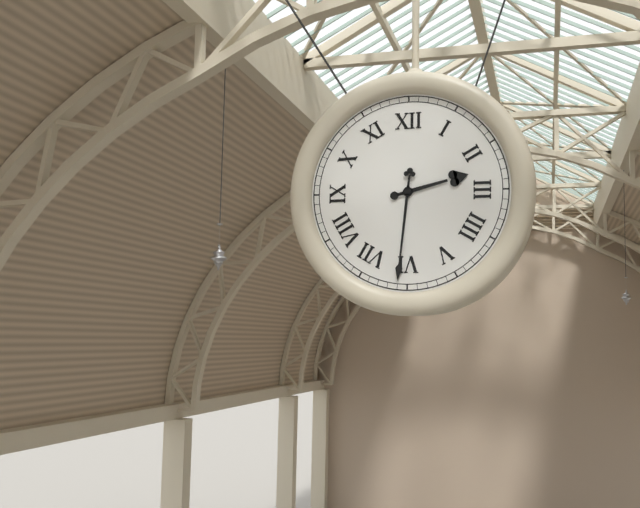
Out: 2,31
